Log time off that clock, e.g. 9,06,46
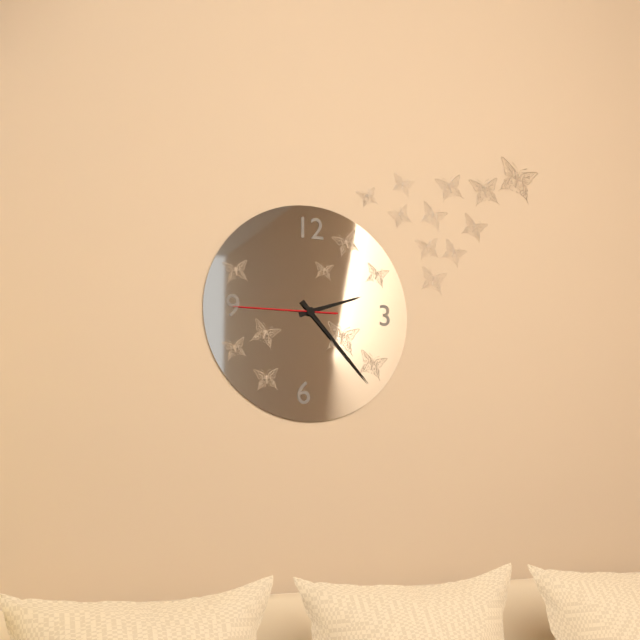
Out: 2,23,45
